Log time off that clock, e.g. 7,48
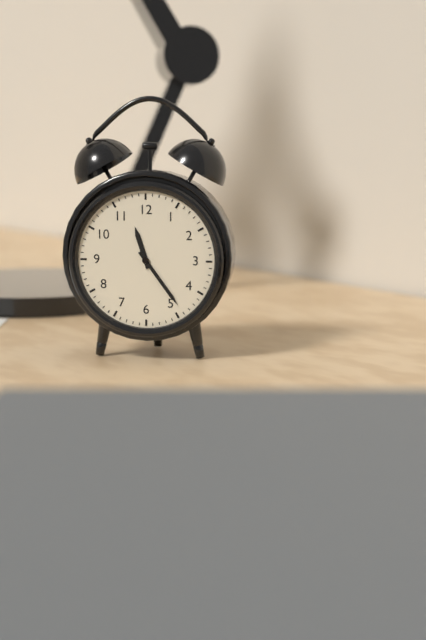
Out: 11,24
